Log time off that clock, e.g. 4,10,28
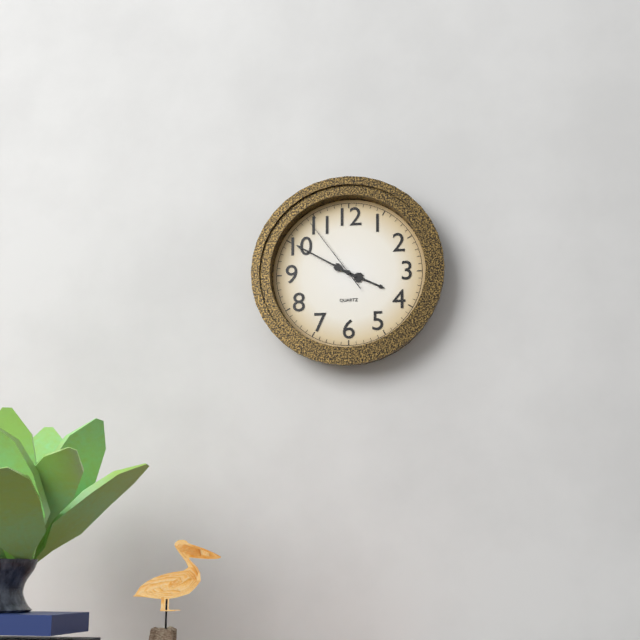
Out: 3,50,54
